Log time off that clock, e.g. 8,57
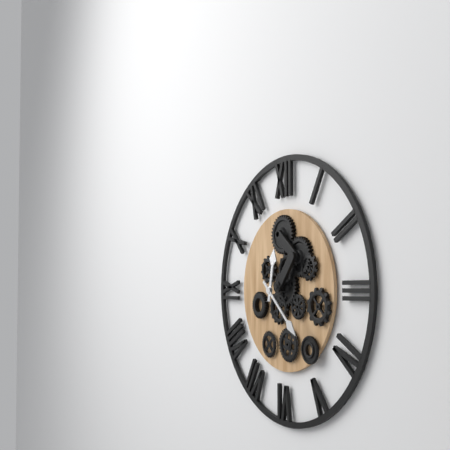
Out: 12,22
